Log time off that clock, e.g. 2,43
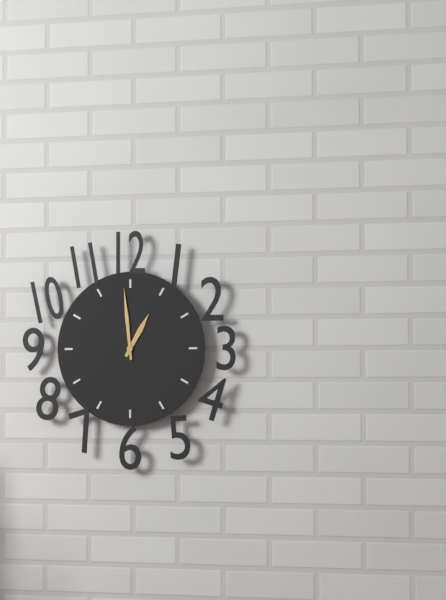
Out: 12,59
